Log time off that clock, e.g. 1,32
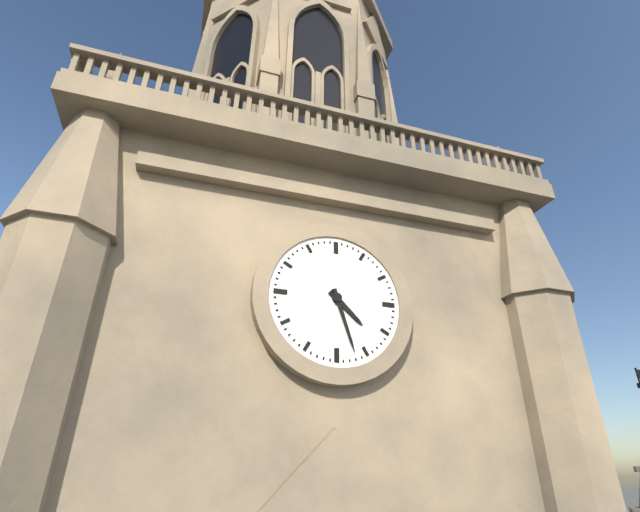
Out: 4,27
